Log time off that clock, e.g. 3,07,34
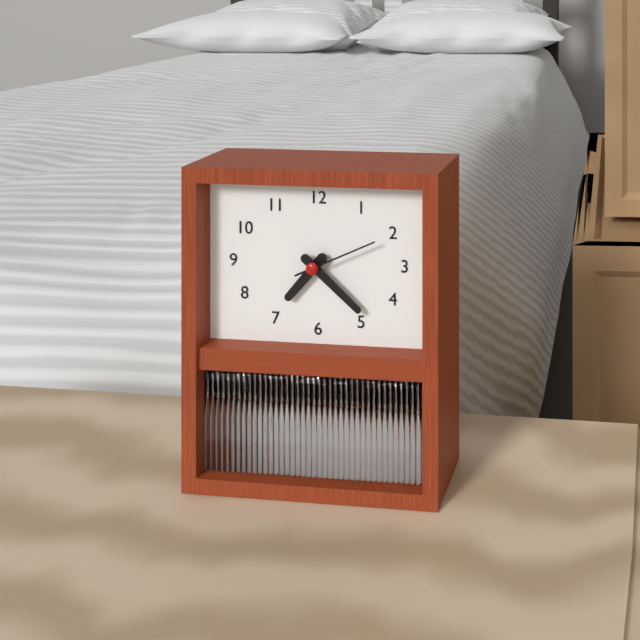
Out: 7,22,11
